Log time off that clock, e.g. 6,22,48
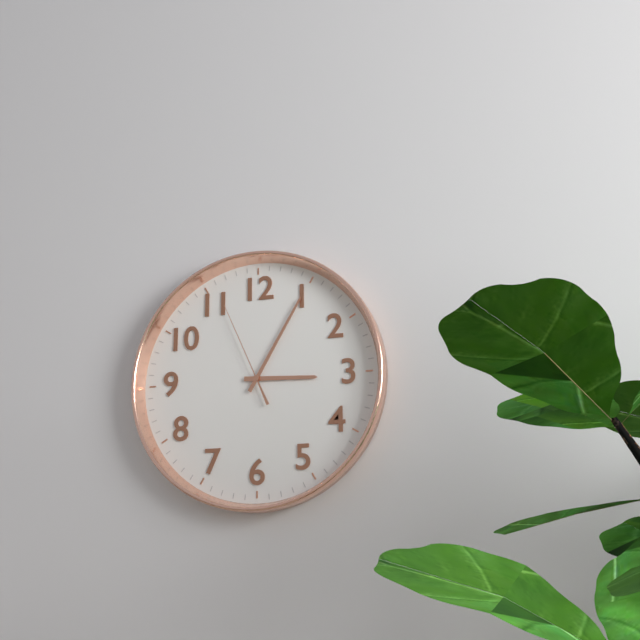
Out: 3,05,56
